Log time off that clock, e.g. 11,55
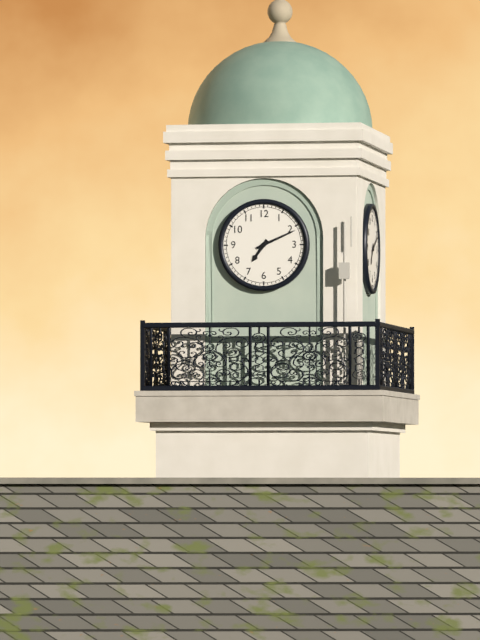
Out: 7,11
